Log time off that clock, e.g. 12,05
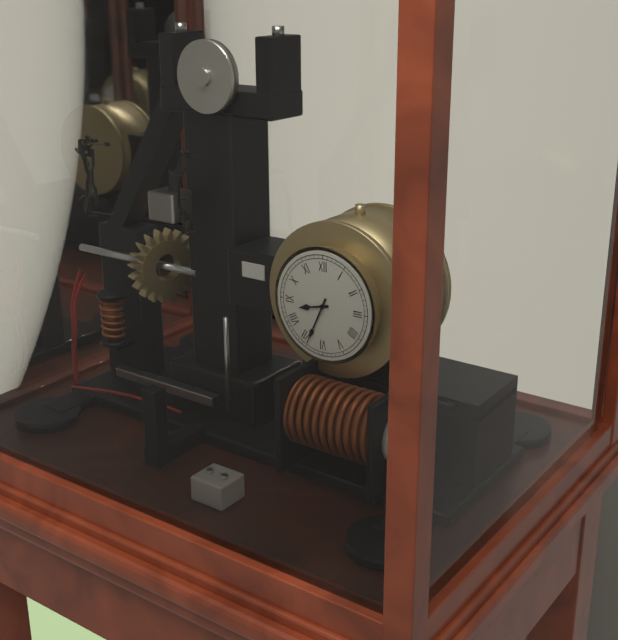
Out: 8,34
